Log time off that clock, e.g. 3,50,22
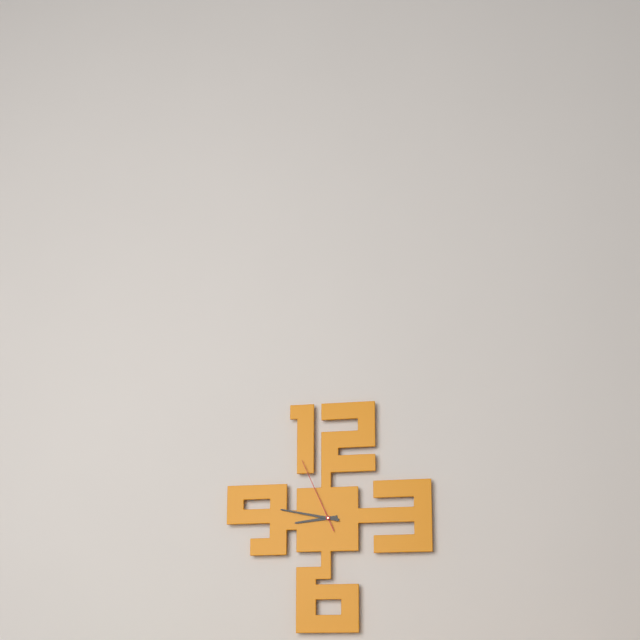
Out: 8,47,56
